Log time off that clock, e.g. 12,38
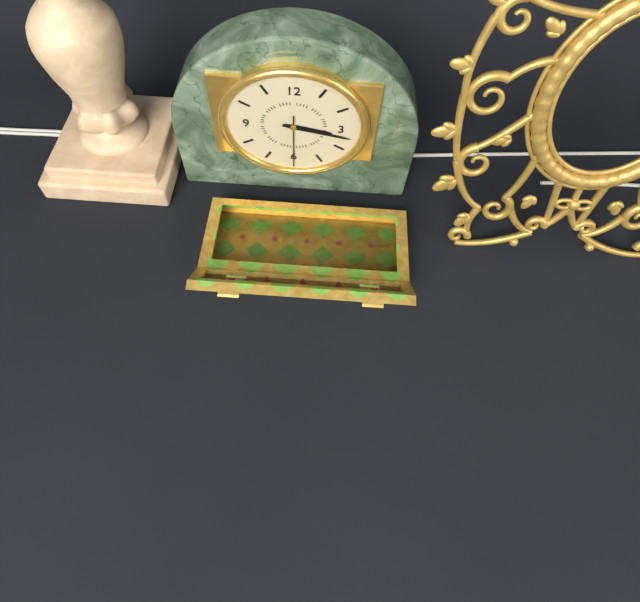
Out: 3,17
